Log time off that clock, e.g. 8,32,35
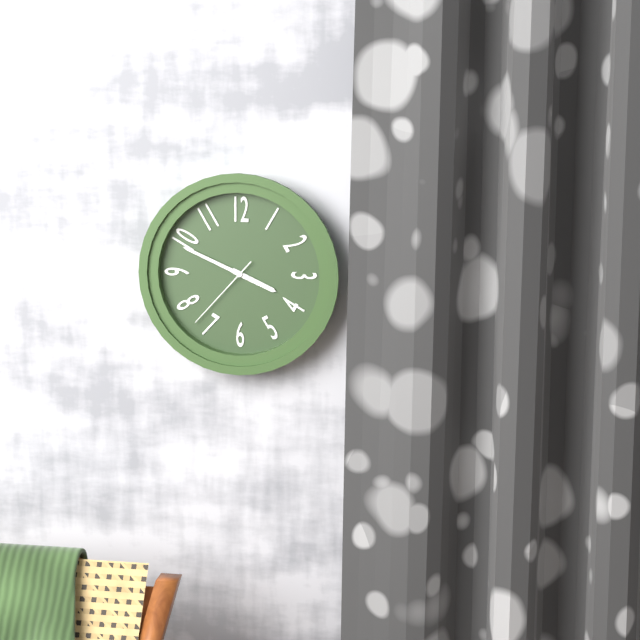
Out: 3,49,37
